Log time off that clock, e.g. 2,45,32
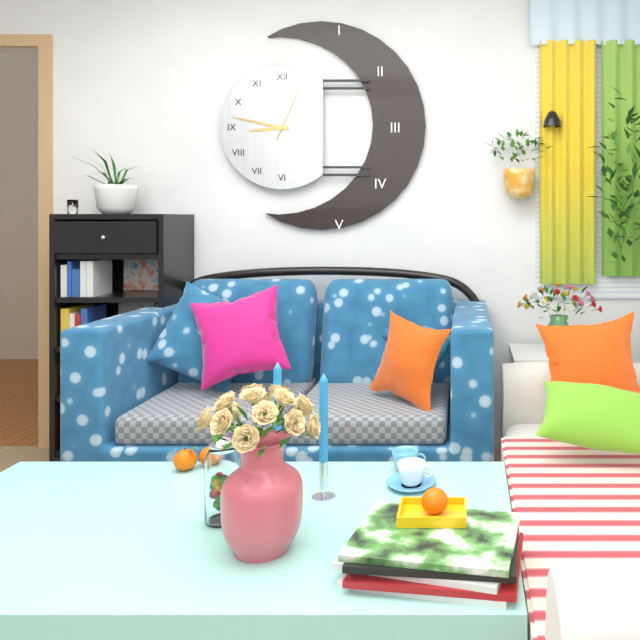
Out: 8,47,04
